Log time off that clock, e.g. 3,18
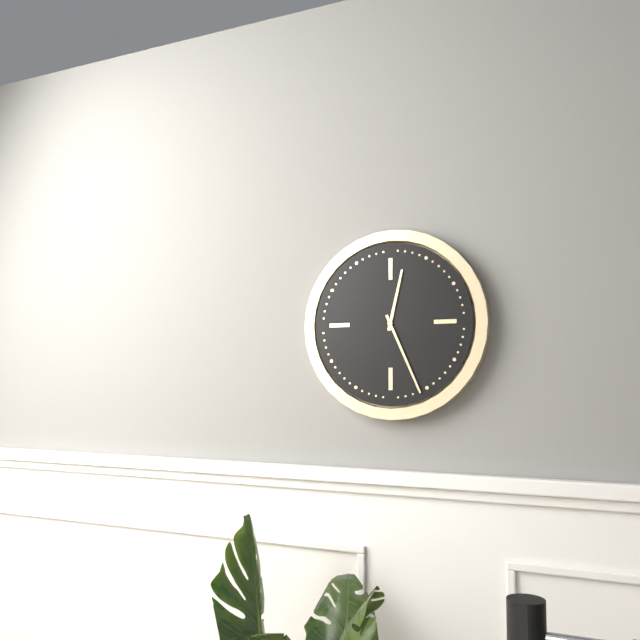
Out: 12,26
